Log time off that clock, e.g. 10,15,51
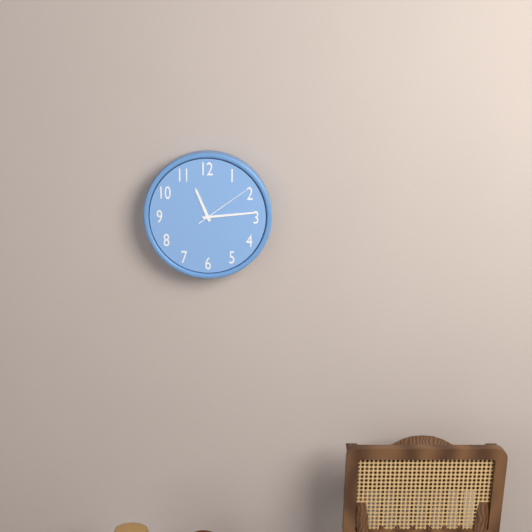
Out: 11,14,09
